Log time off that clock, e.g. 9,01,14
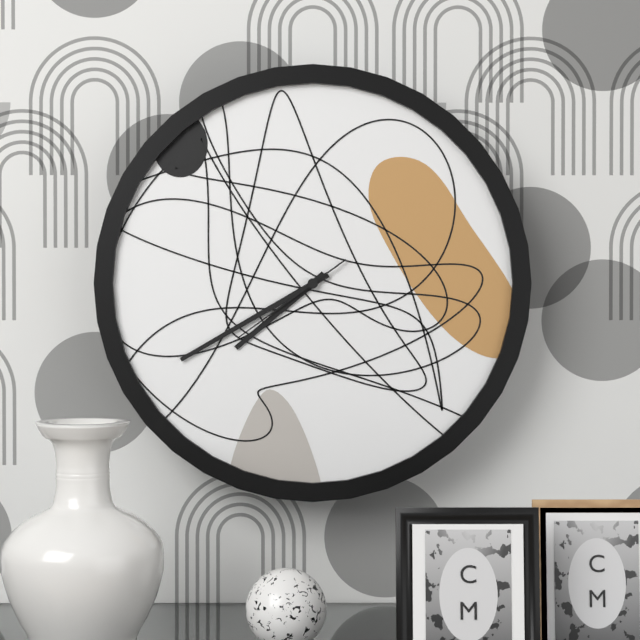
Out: 7,40,39
